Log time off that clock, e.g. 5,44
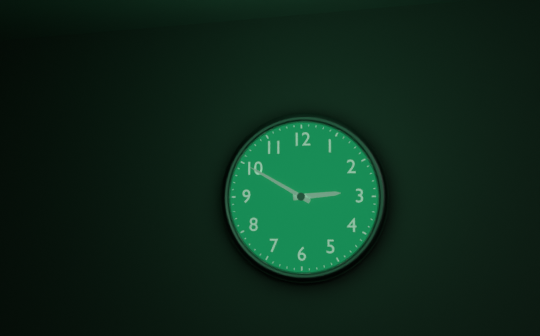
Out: 2,50
